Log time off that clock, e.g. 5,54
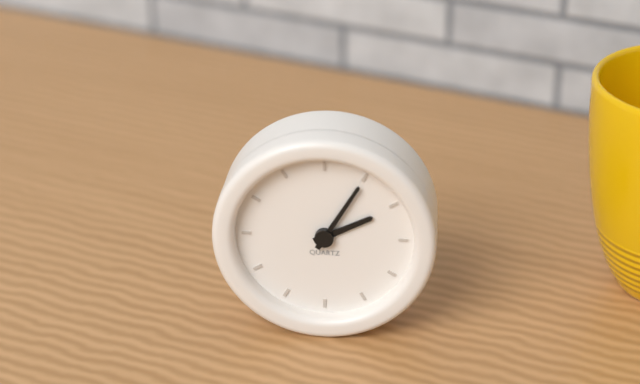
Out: 2,05
